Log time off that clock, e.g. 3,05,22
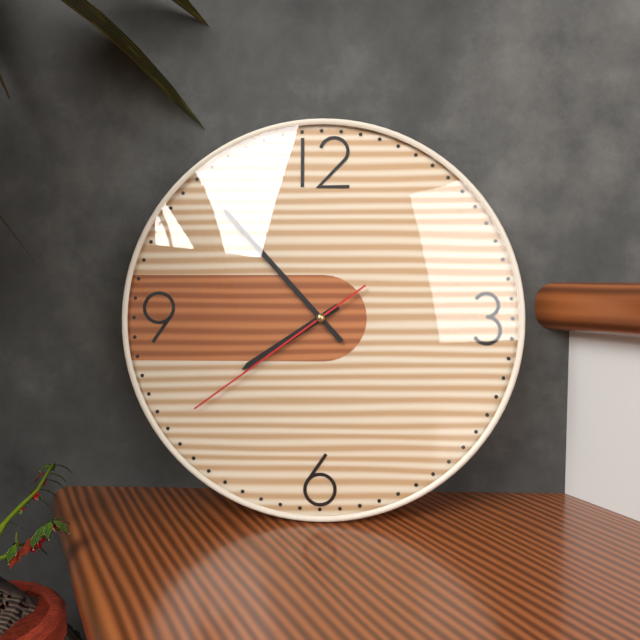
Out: 7,53,39
